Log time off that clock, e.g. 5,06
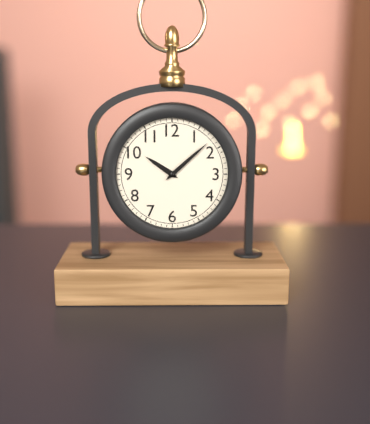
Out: 10,08
